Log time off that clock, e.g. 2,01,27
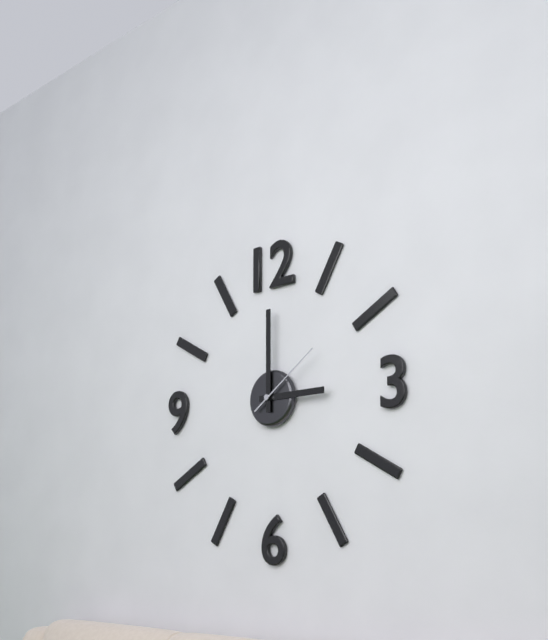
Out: 3,00,09
